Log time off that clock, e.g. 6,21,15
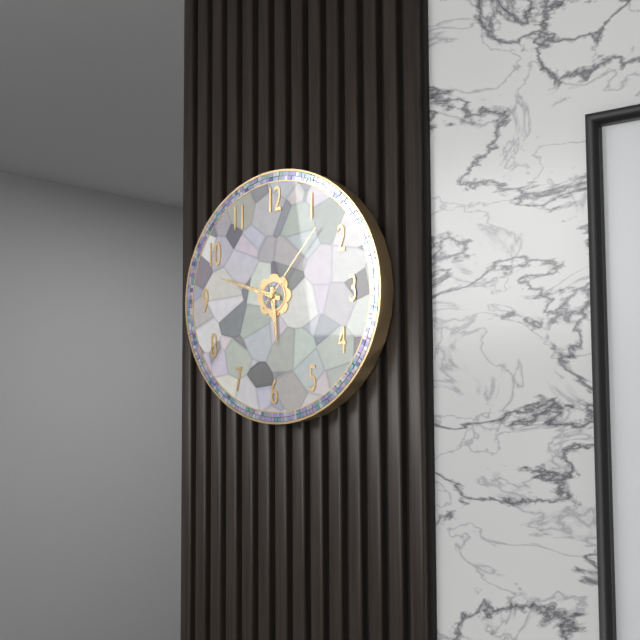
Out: 5,48,07
